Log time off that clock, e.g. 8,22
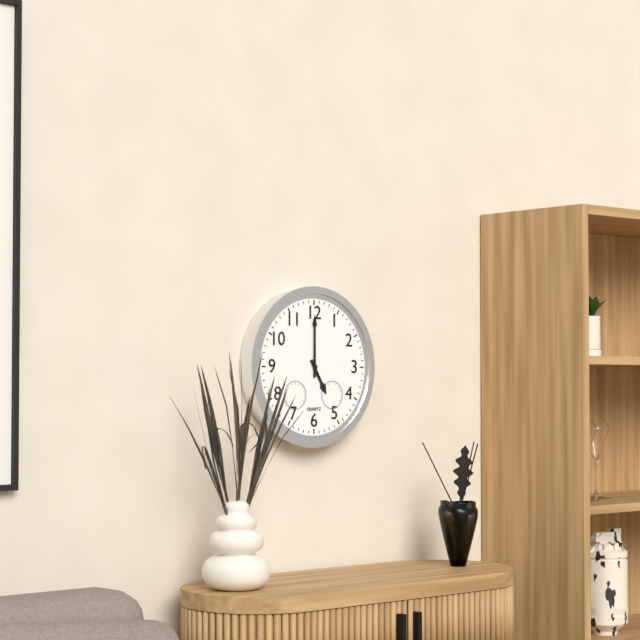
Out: 5,00
